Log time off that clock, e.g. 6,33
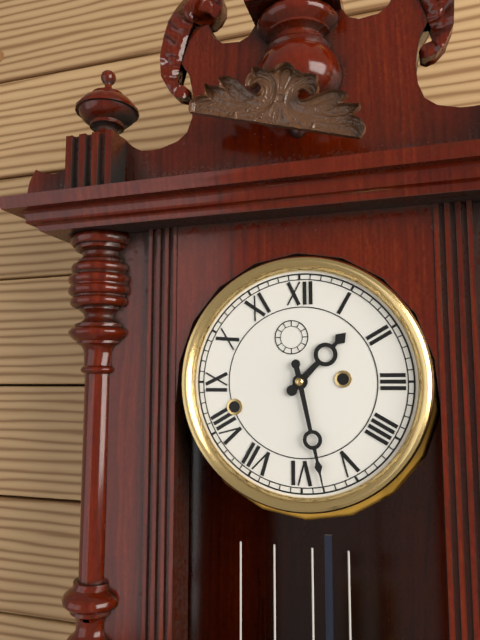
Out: 1,28
